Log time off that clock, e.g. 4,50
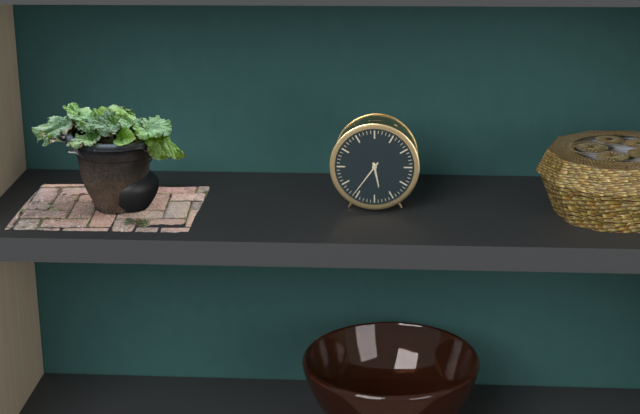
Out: 5,36
